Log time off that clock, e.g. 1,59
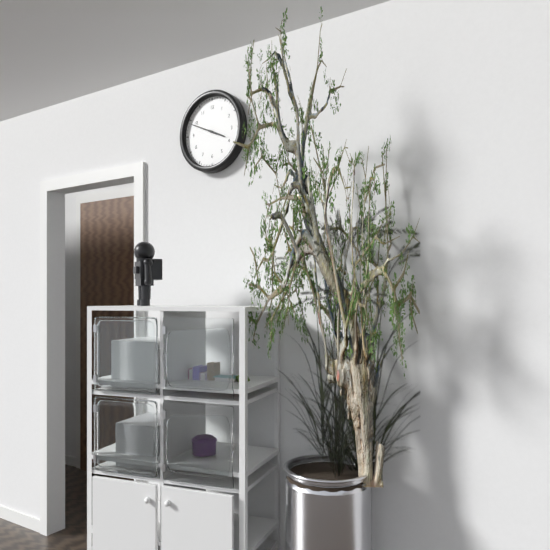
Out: 3,49
